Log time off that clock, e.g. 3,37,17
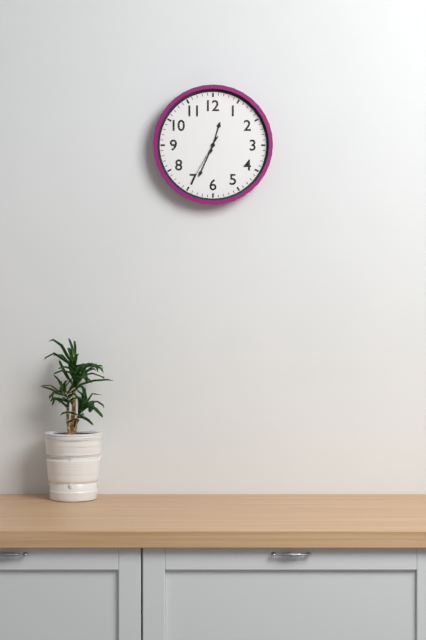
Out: 12,34,35
